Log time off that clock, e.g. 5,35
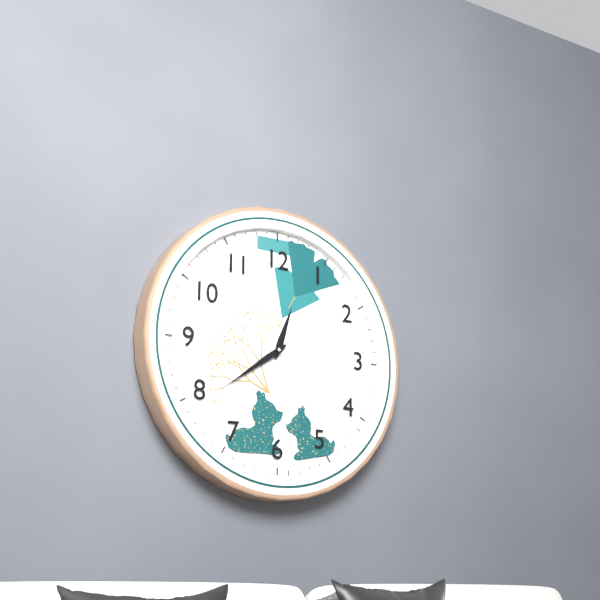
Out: 12,39
